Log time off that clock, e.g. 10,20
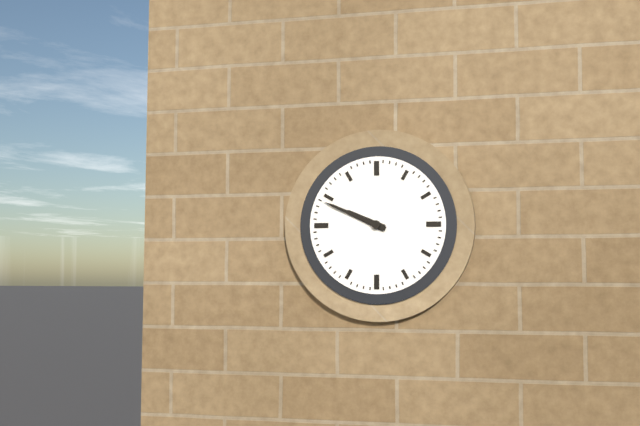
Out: 9,49
